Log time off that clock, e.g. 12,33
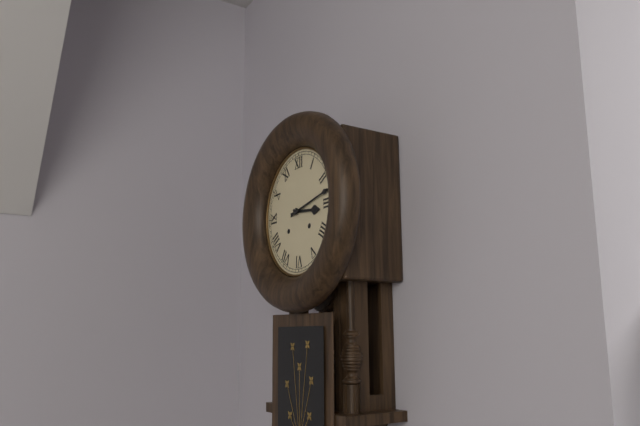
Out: 3,13
